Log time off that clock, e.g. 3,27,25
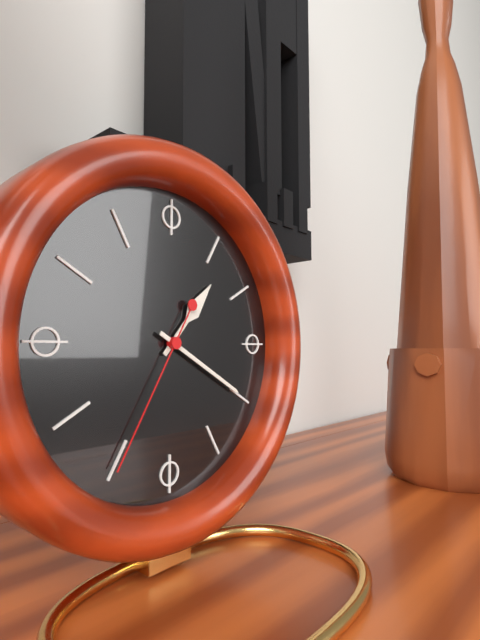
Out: 1,20,35
